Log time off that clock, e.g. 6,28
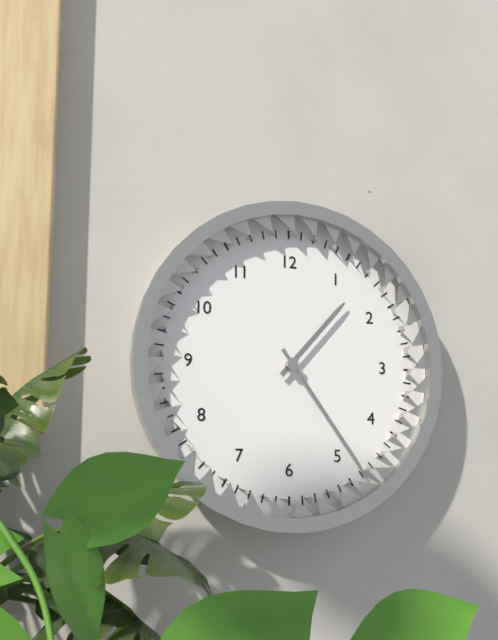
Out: 1,24
